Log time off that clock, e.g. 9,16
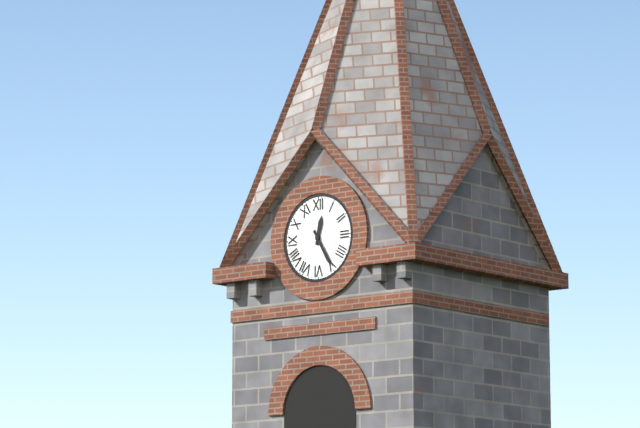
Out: 12,25
